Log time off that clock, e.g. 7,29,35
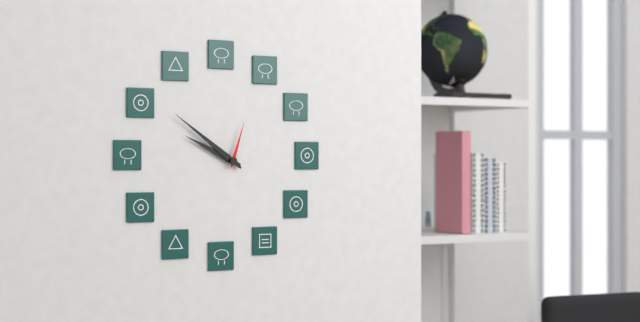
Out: 9,51,03
